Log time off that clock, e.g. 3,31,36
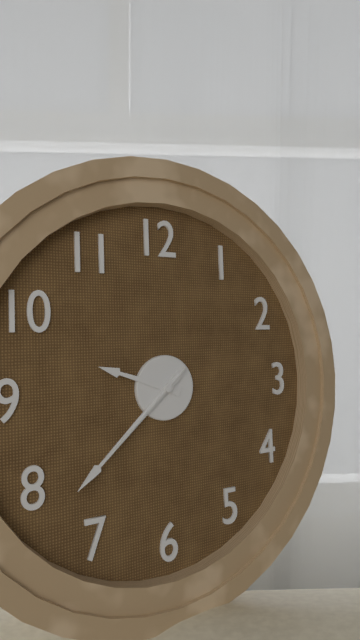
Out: 9,38,38
